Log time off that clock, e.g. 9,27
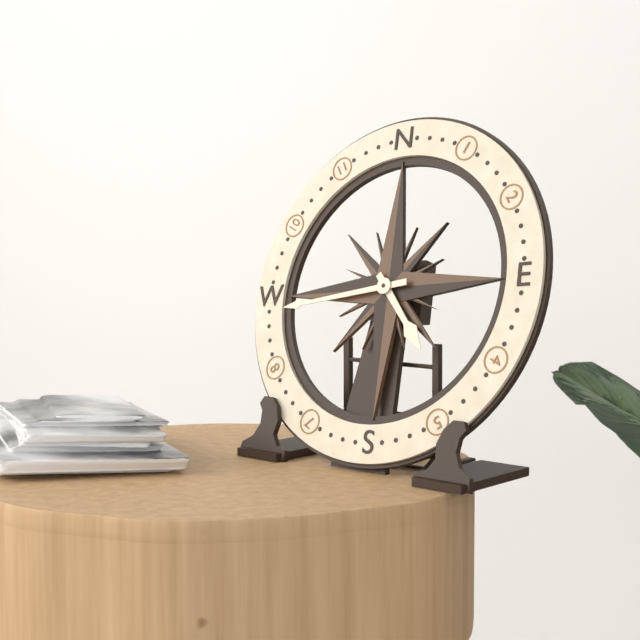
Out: 4,44
